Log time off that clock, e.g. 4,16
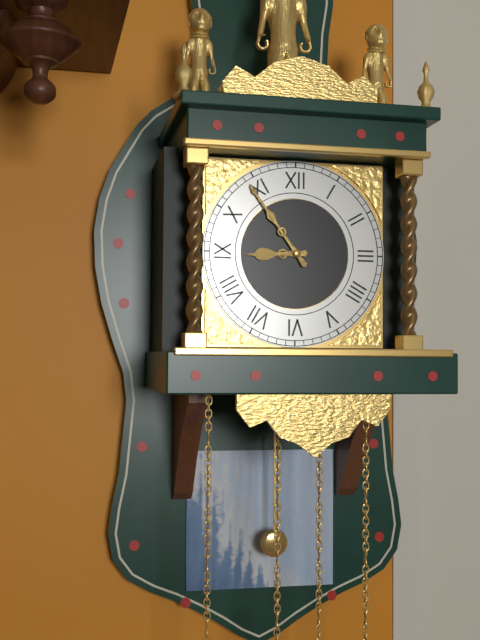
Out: 8,54
